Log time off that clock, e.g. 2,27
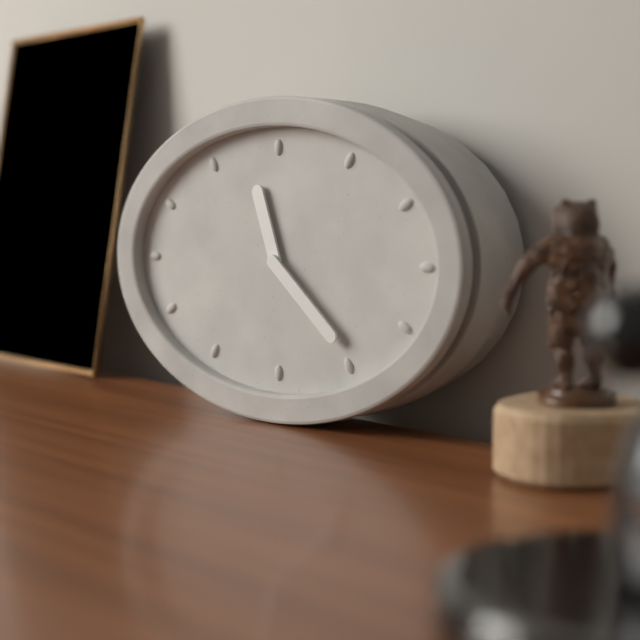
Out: 11,22
